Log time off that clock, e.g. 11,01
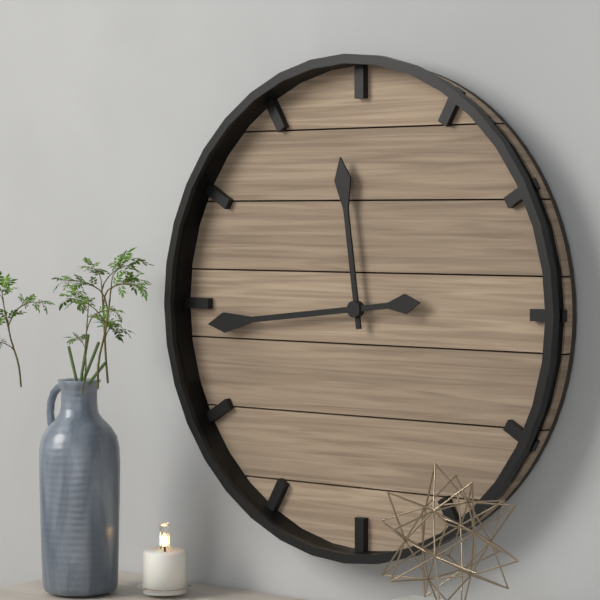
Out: 11,44
